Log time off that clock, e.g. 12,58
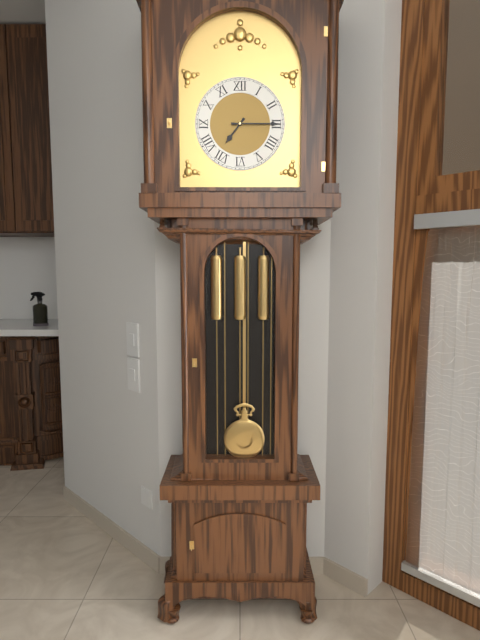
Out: 7,15
